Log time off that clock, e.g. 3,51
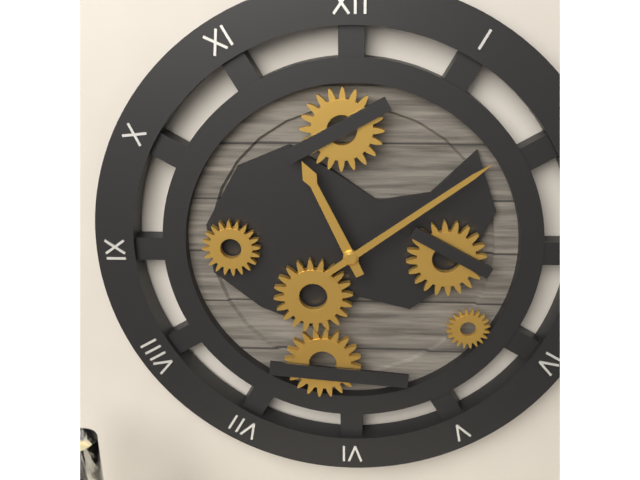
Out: 11,09
